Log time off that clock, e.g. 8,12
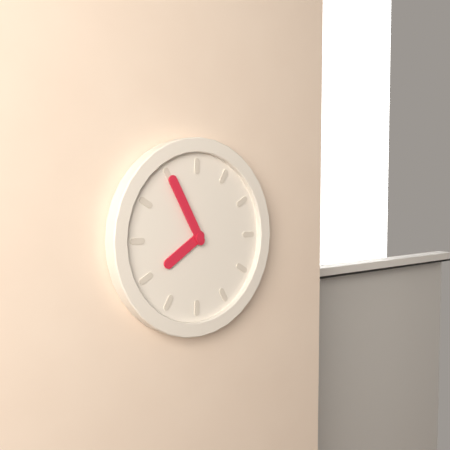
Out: 7,55
